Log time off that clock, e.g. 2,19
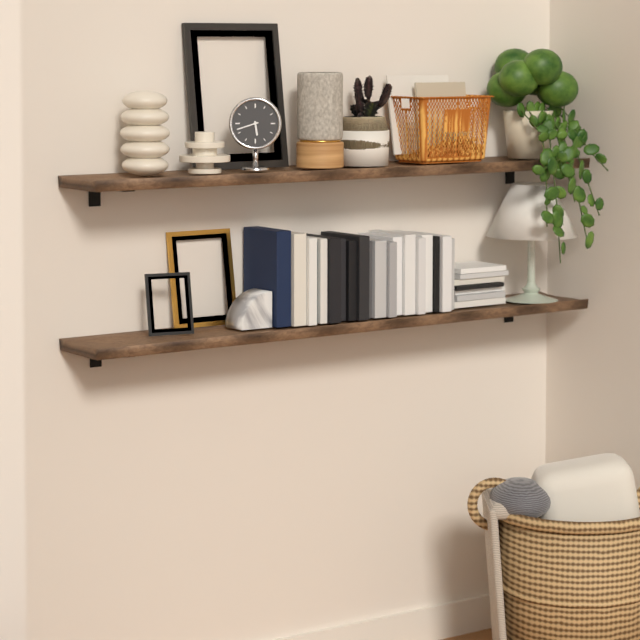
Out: 5,42
